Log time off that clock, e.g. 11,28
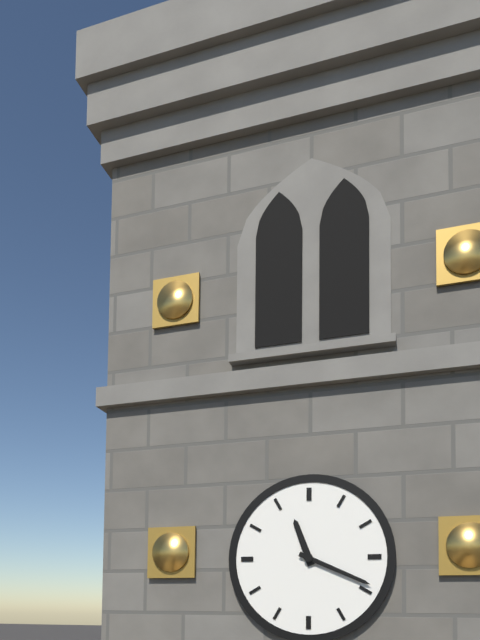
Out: 11,19
